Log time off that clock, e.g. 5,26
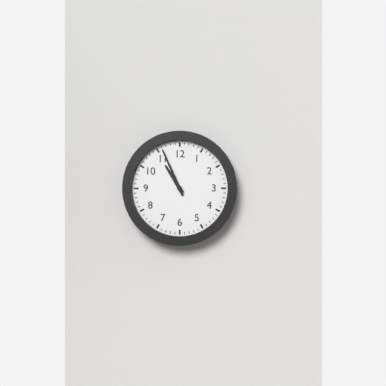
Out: 10,56
